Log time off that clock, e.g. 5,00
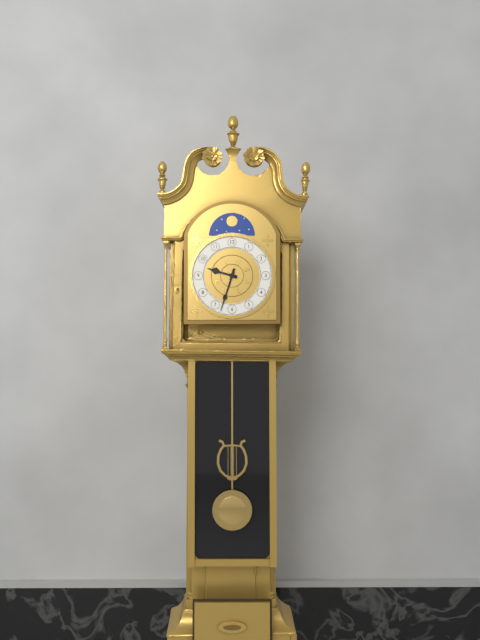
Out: 9,33
